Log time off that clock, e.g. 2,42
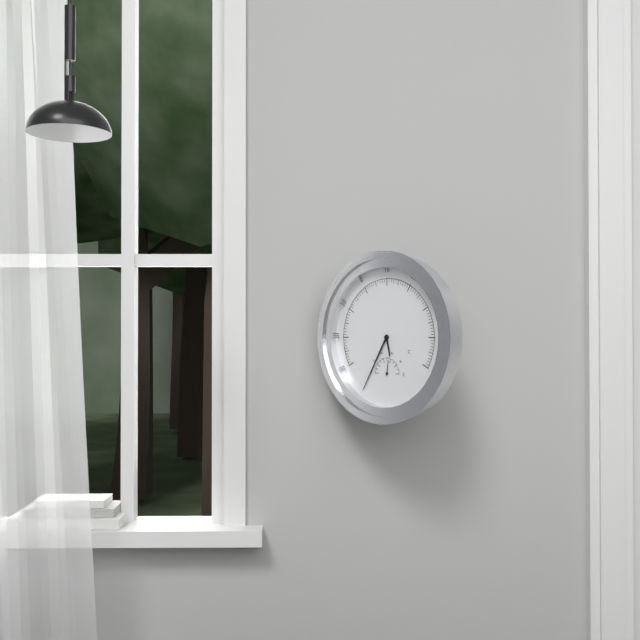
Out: 5,35
